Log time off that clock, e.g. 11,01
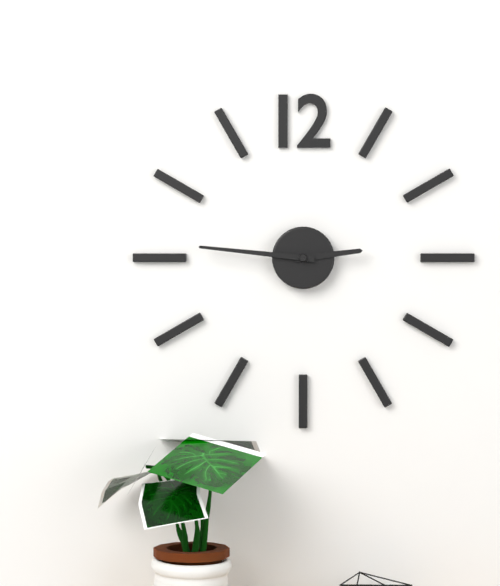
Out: 2,46
